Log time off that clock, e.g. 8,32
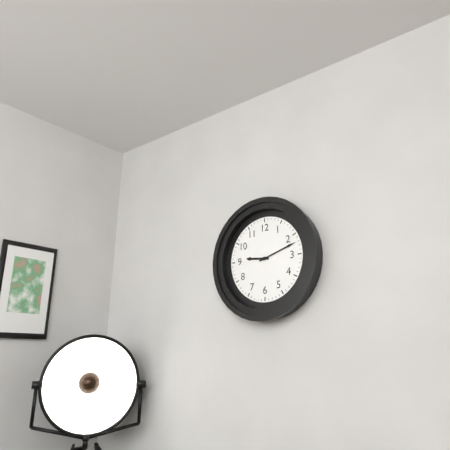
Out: 9,12
